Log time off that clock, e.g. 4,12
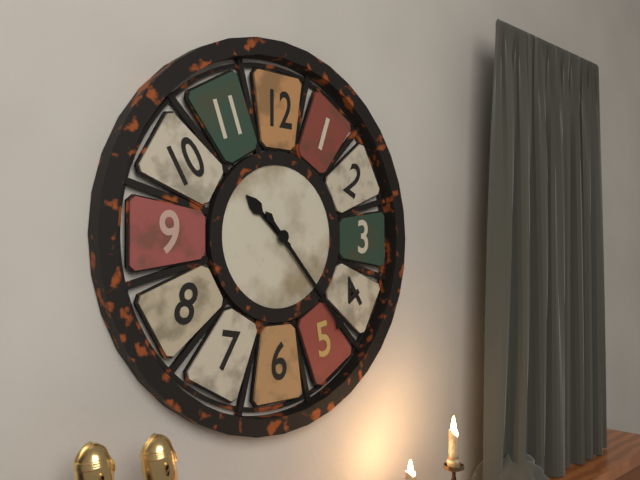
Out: 10,23
